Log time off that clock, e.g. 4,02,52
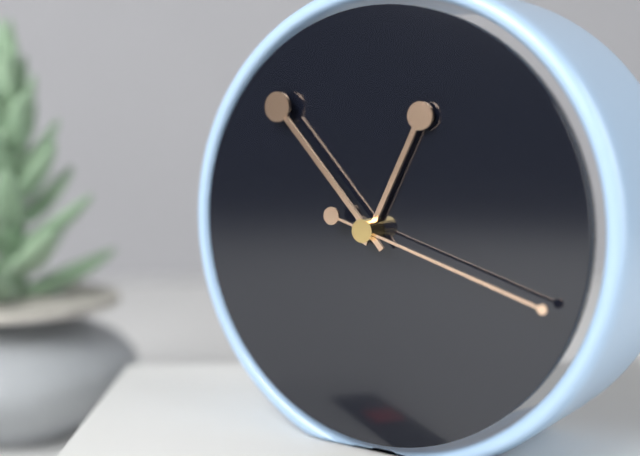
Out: 12,53,18
